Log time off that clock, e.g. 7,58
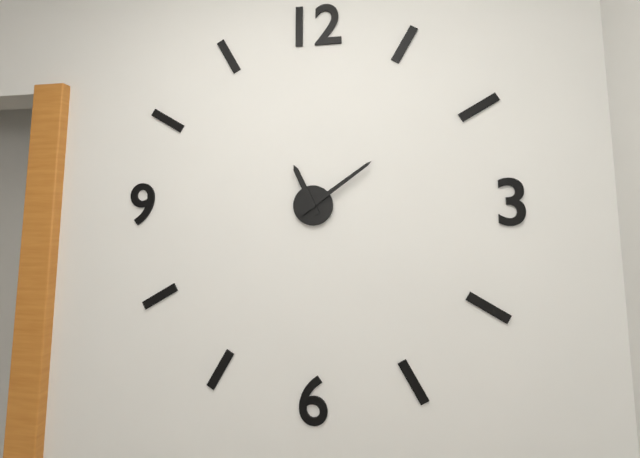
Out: 11,09
